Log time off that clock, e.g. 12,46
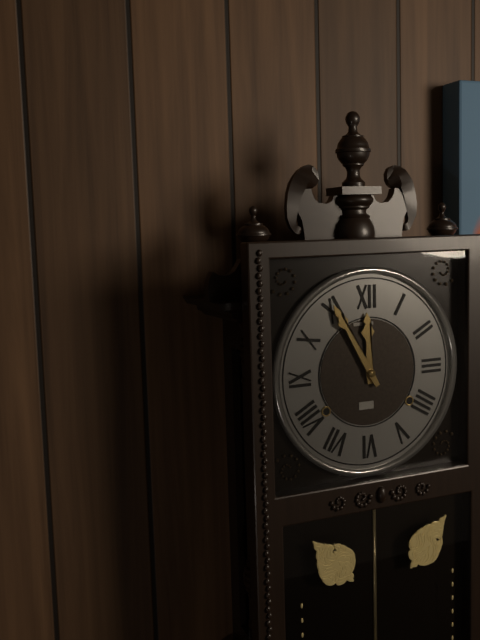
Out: 11,55
